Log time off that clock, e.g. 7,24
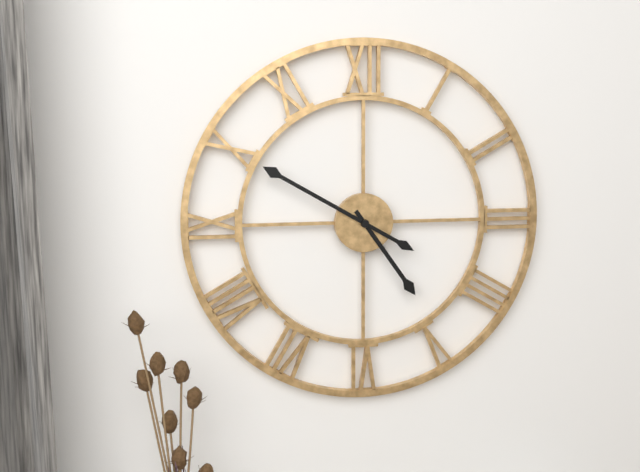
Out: 4,50
